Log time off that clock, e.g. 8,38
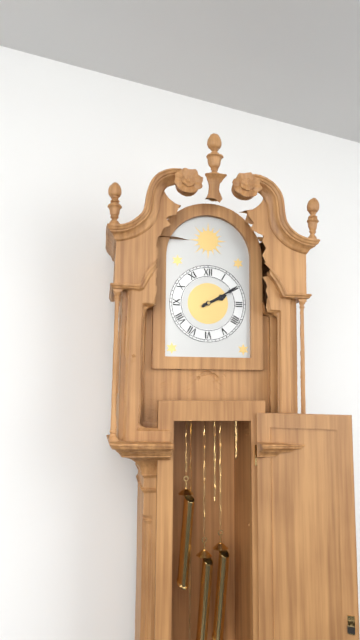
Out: 2,10
